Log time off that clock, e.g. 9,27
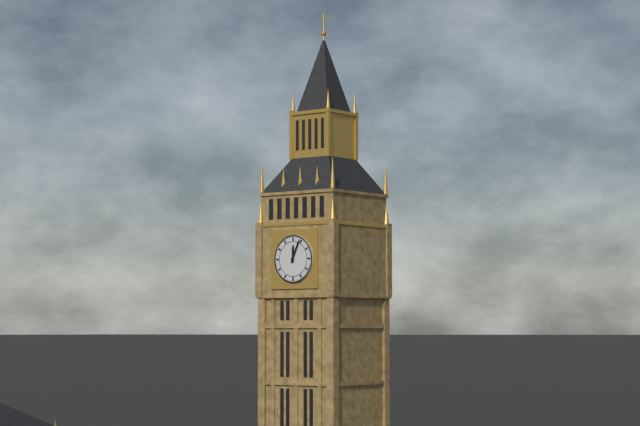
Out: 12,04
